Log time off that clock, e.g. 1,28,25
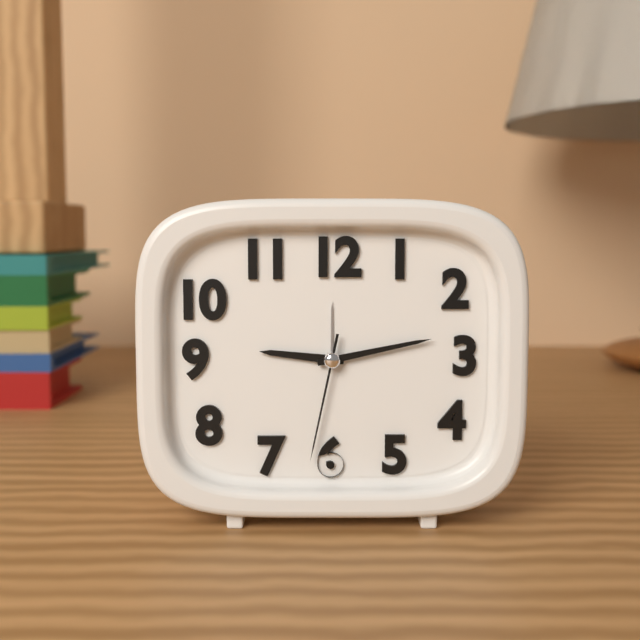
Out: 9,13,32
